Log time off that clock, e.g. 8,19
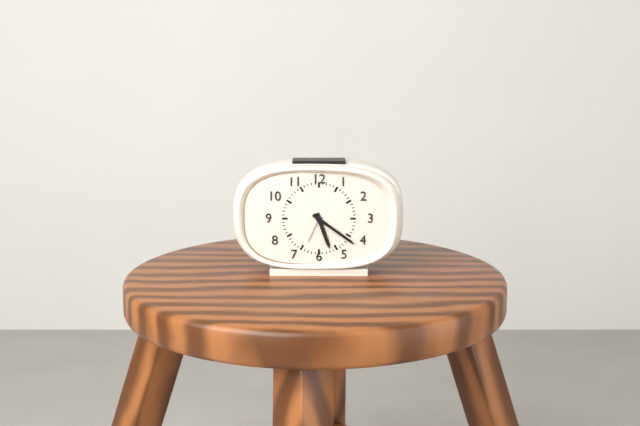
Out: 5,21
